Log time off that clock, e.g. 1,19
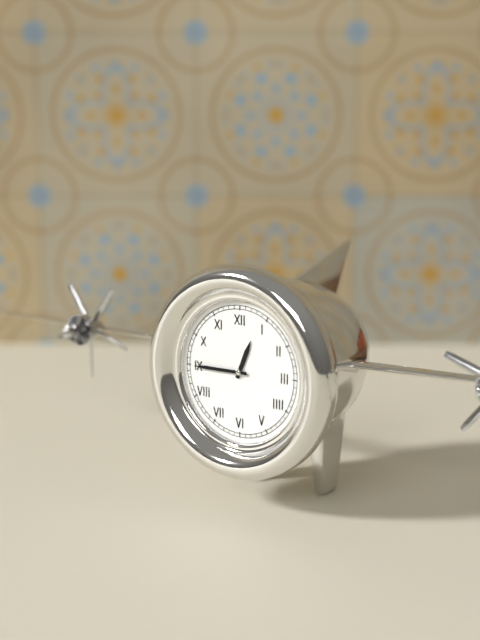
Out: 12,45
